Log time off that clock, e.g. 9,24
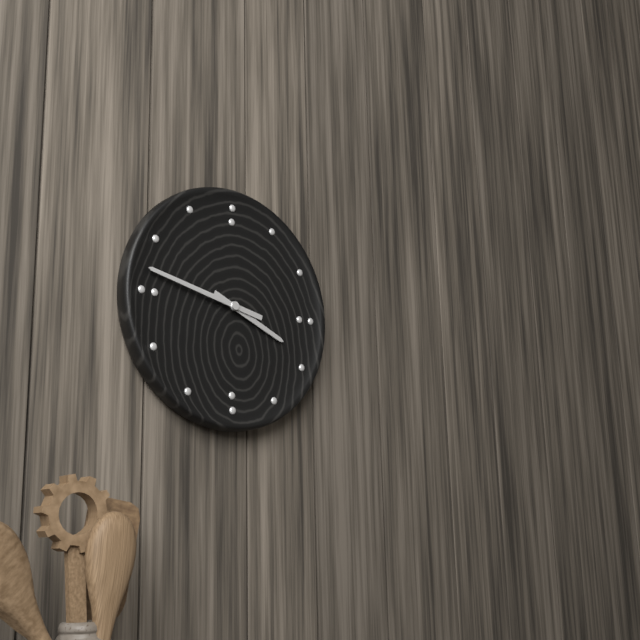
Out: 3,47
